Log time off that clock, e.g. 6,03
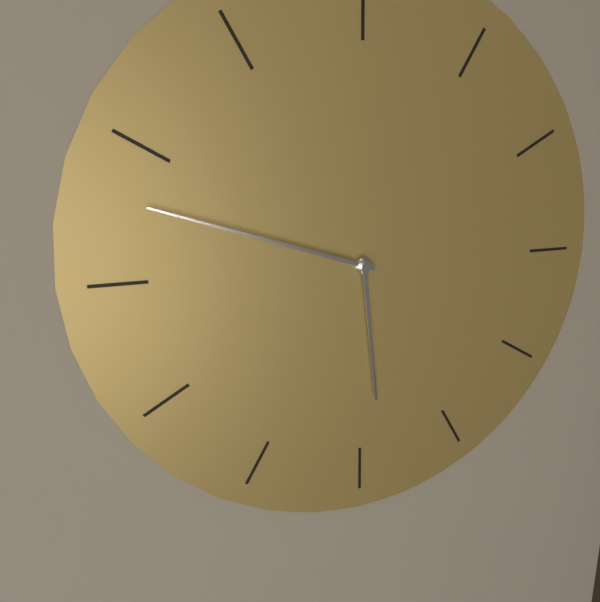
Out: 5,48
